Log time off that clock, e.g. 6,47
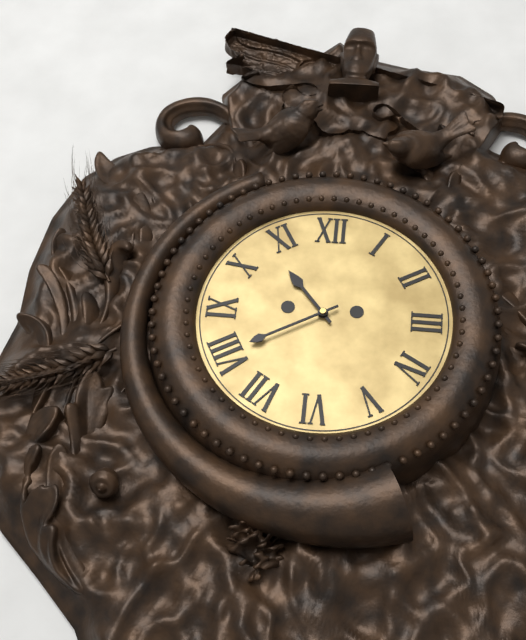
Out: 10,40
